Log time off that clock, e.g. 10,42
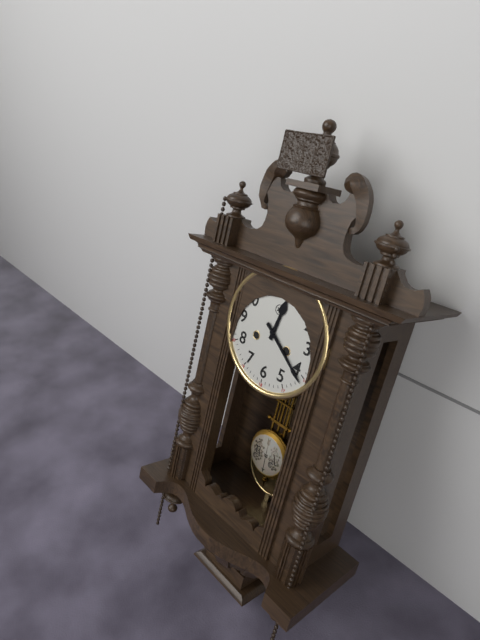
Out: 12,21
